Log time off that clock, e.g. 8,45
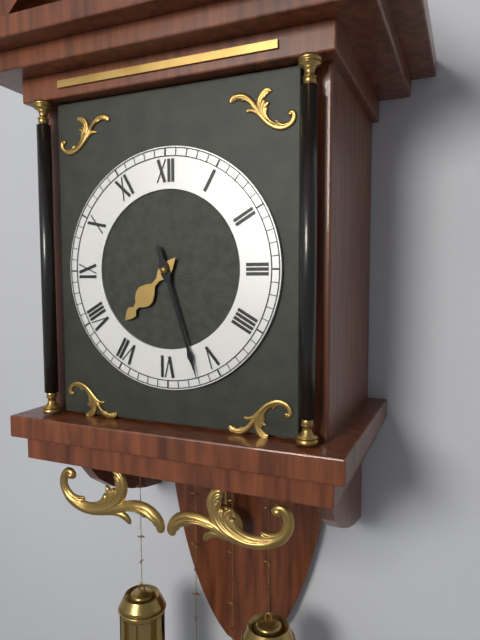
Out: 7,27
